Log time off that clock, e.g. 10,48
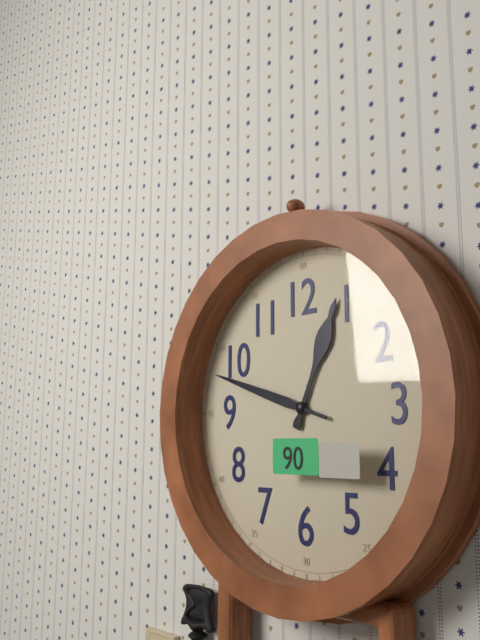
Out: 12,48
